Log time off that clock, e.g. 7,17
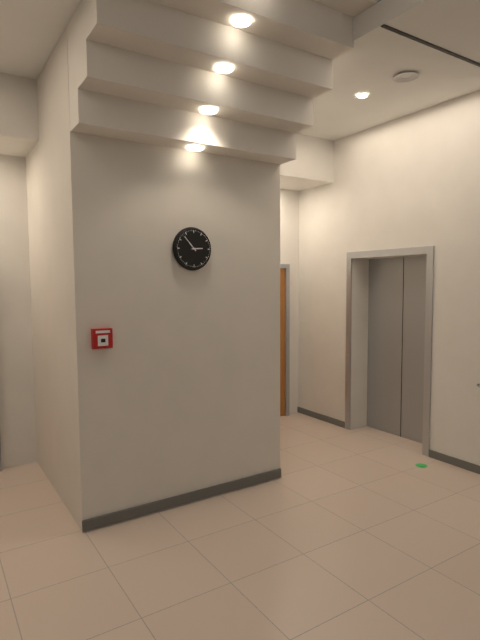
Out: 2,53
